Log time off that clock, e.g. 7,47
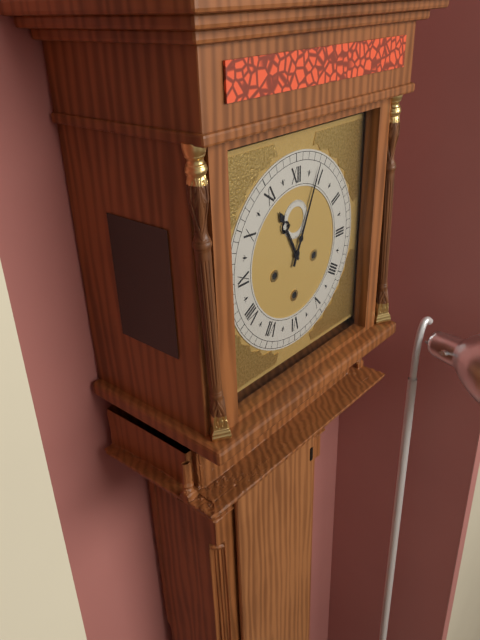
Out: 11,04
